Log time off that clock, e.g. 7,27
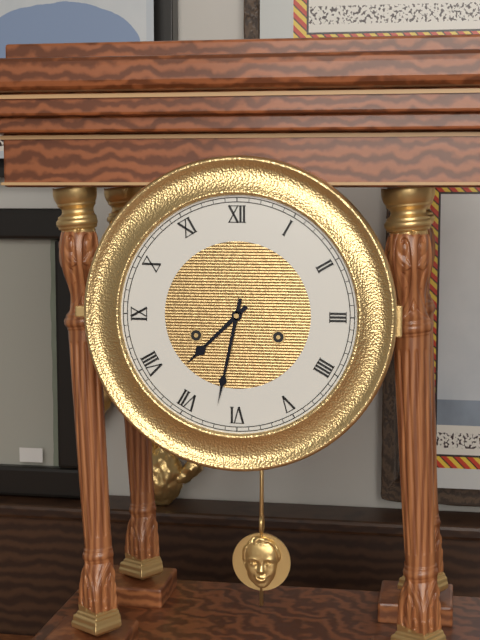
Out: 7,32
